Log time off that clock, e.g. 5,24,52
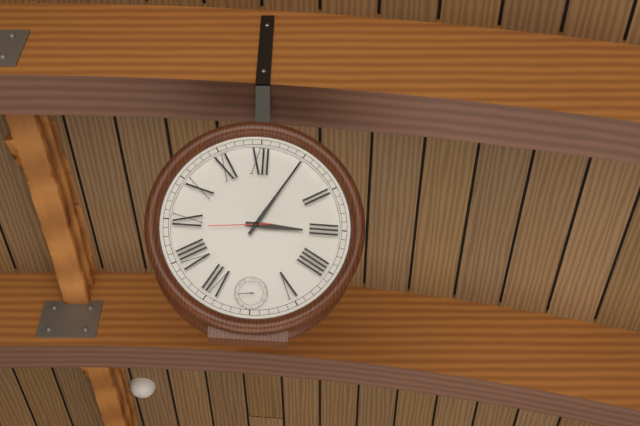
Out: 3,05,44
